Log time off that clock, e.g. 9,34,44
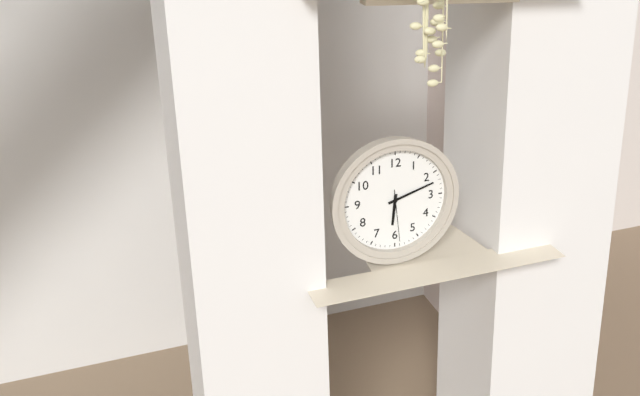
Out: 6,12,29
